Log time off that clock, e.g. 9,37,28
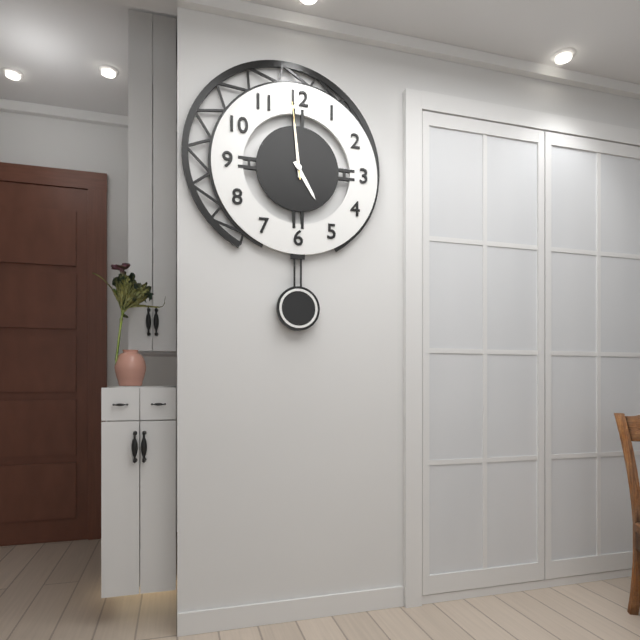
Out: 4,59,59
